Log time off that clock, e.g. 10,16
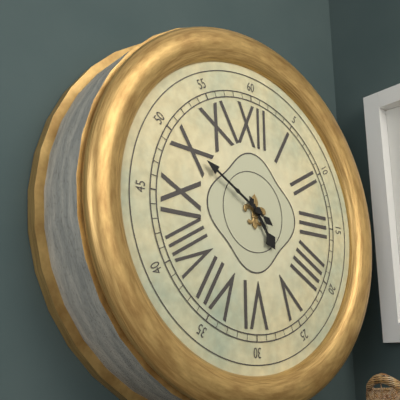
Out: 4,50
